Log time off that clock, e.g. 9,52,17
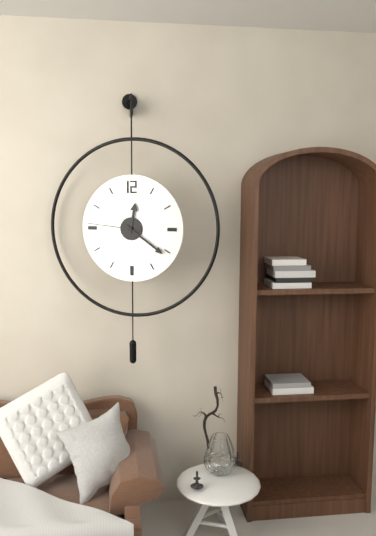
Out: 12,21,46
